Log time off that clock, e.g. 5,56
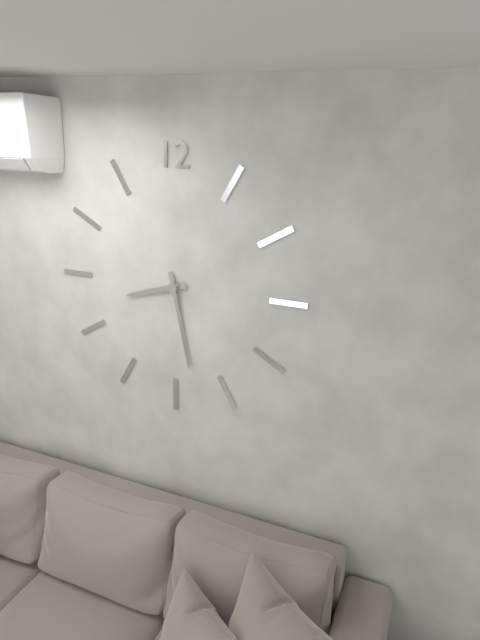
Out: 8,28
